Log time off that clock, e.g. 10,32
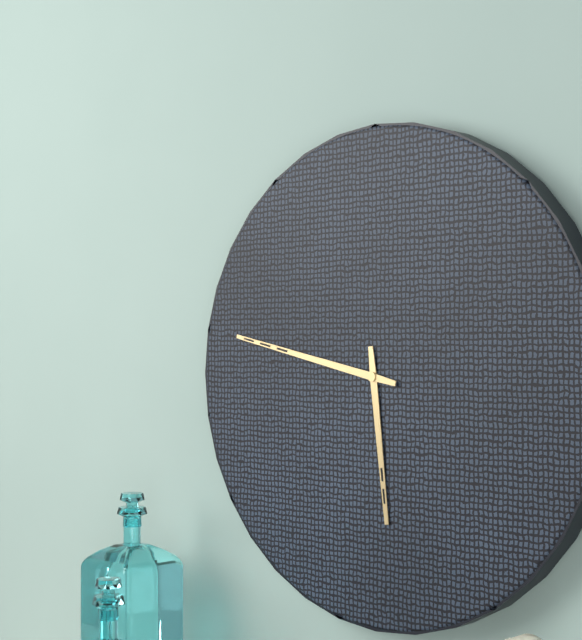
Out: 5,47
